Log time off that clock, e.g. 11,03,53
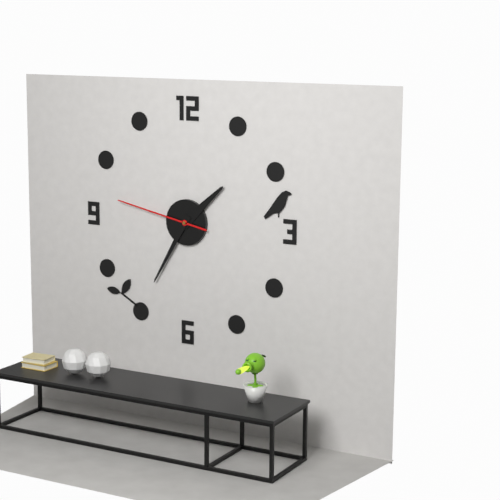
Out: 1,35,47
